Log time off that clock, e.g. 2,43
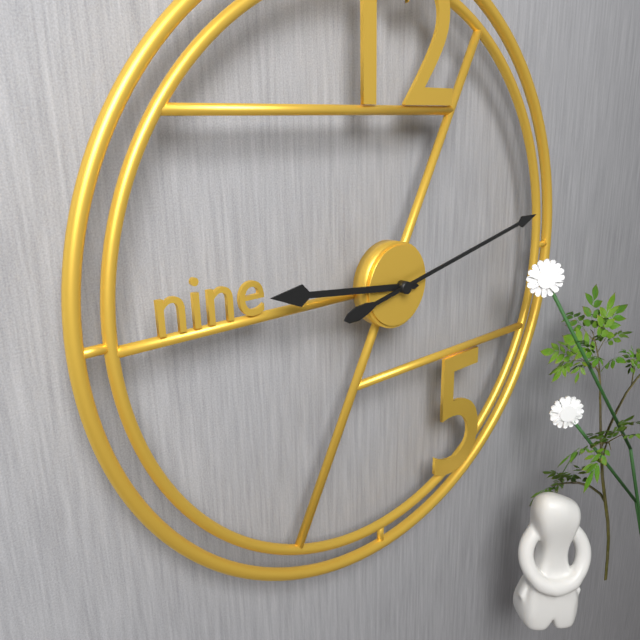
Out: 9,13
